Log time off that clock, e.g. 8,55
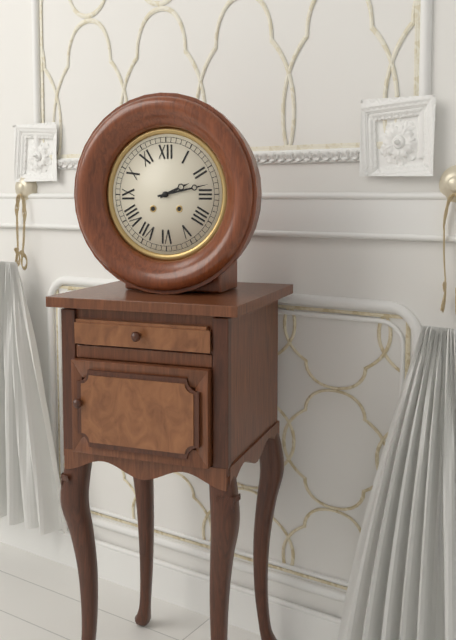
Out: 2,13
